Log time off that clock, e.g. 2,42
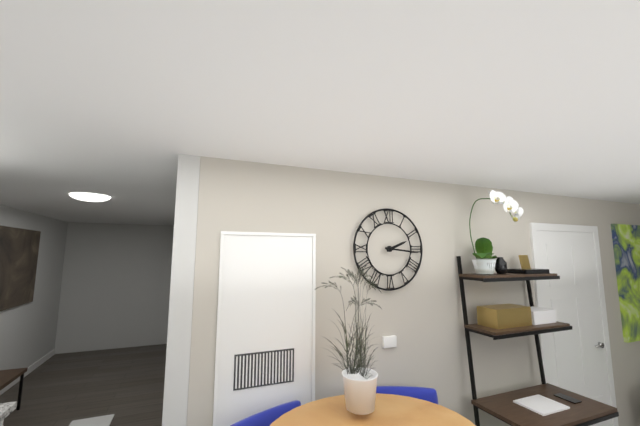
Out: 2,16
